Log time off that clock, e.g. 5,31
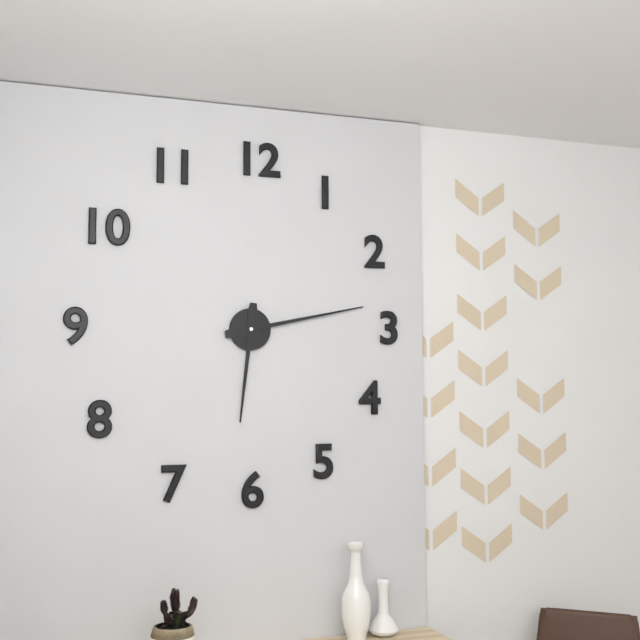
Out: 6,13
